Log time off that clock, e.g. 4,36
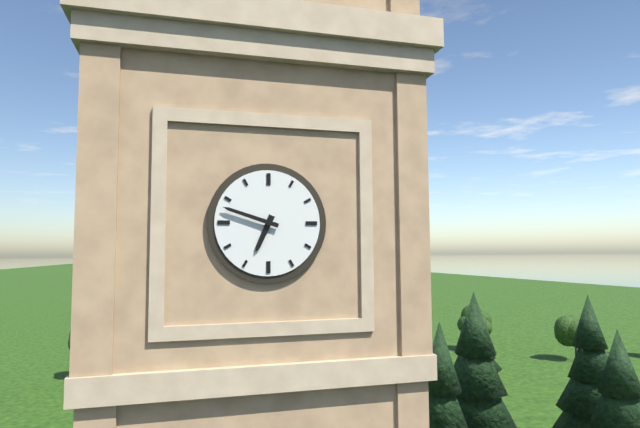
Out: 6,48
